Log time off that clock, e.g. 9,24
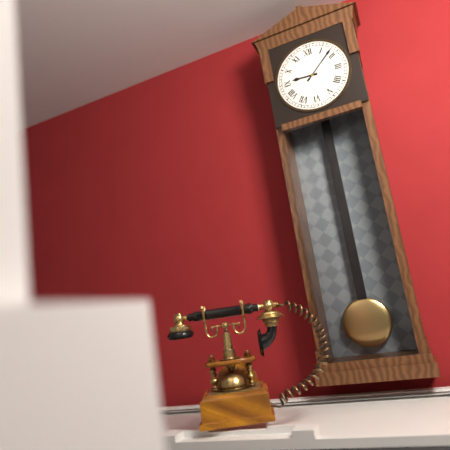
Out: 9,08
